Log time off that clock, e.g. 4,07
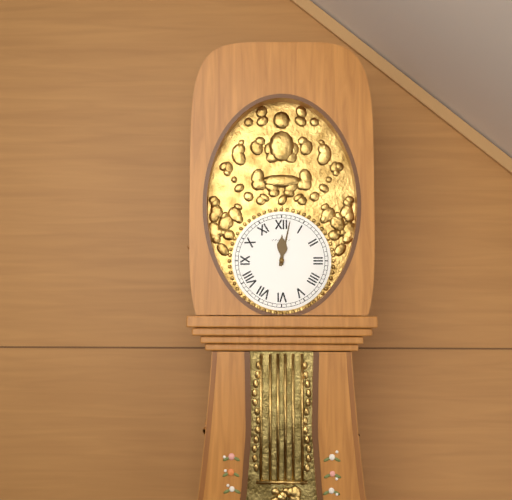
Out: 12,02
